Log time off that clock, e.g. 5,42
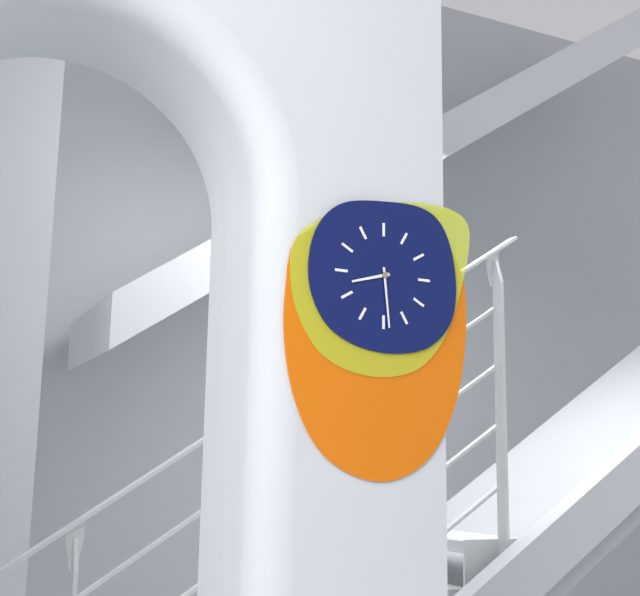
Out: 8,29
